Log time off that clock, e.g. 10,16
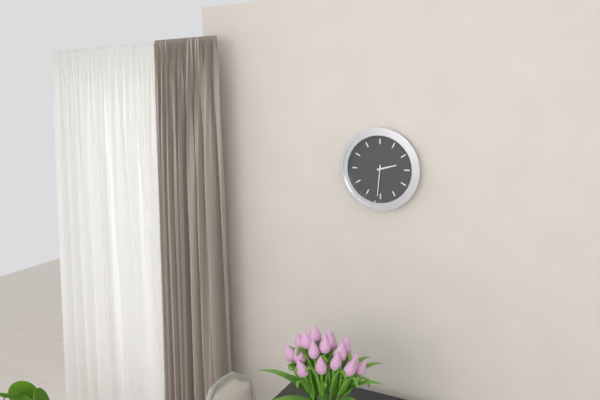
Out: 2,31
